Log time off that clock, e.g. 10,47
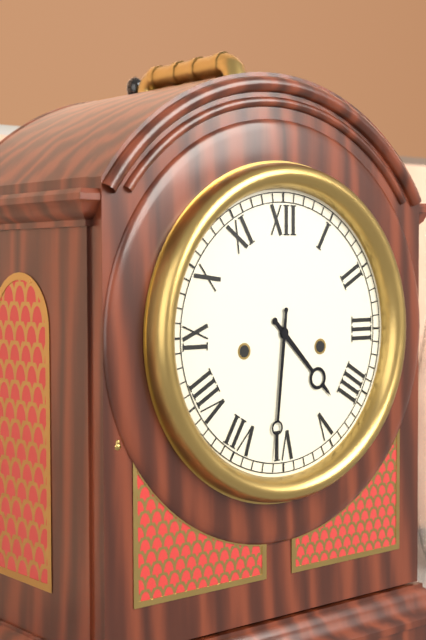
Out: 4,31
